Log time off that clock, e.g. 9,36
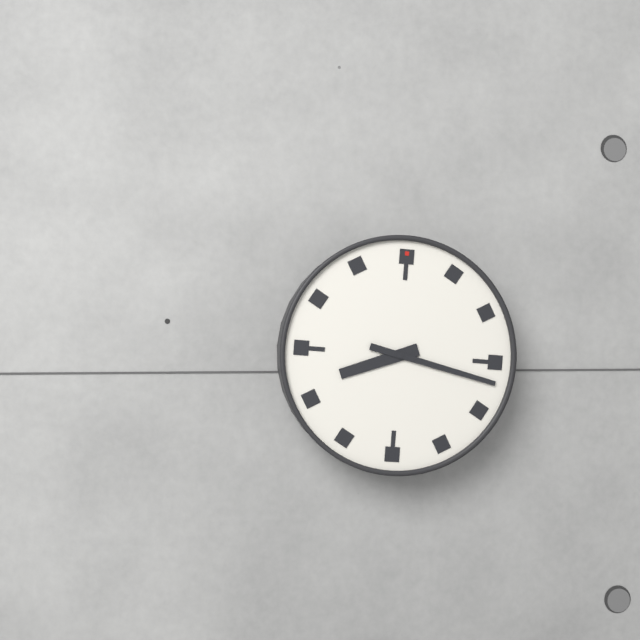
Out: 8,17
